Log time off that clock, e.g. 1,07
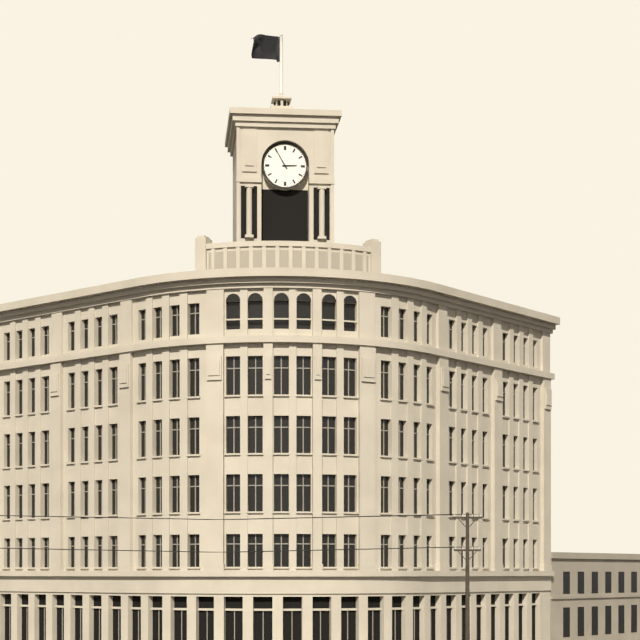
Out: 2,55
